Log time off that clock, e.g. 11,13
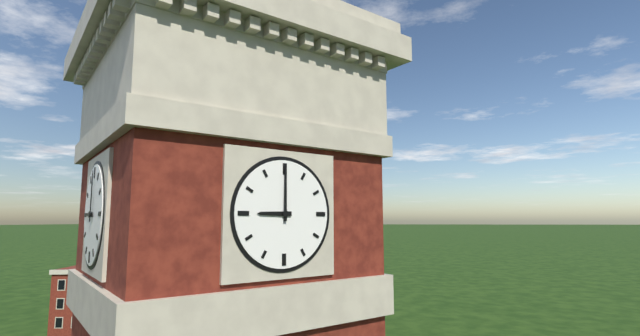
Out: 9,00
